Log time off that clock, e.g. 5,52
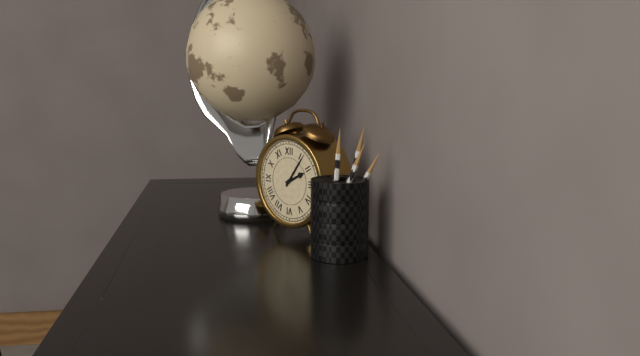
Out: 2,06
